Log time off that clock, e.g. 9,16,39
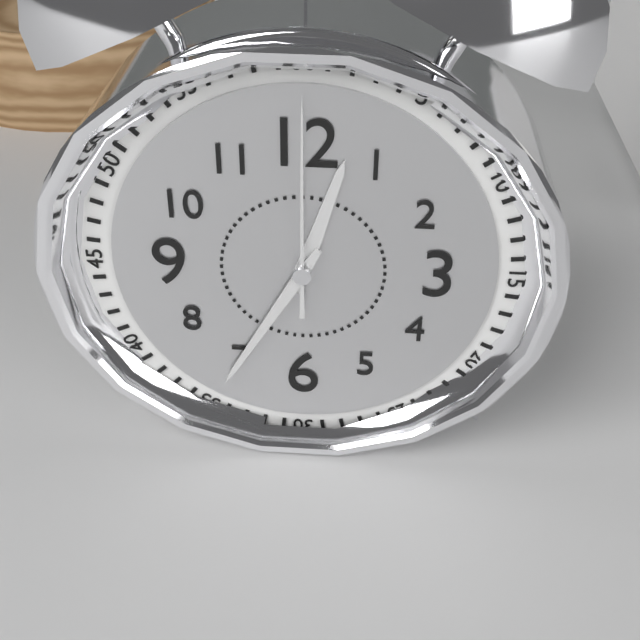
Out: 12,35,00
